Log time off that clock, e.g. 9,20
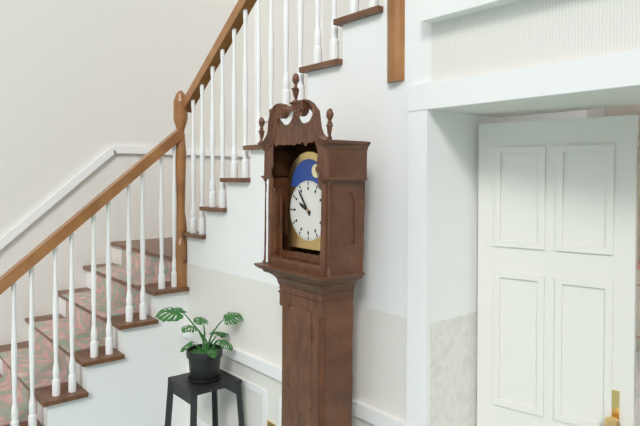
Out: 9,54
